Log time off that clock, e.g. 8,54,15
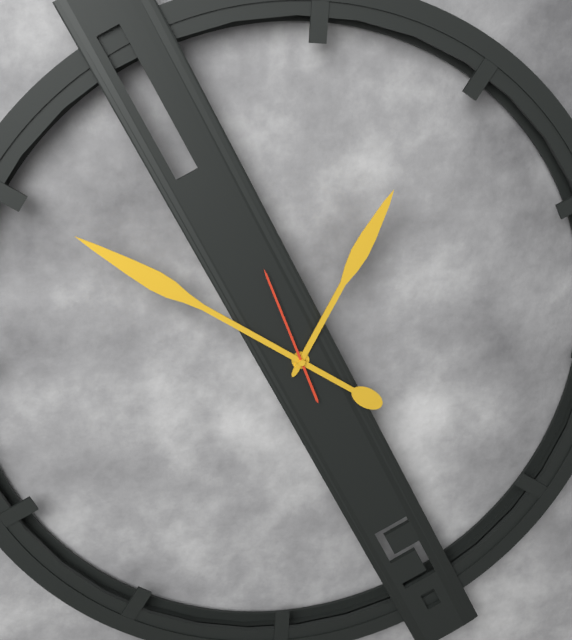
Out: 12,50,56
